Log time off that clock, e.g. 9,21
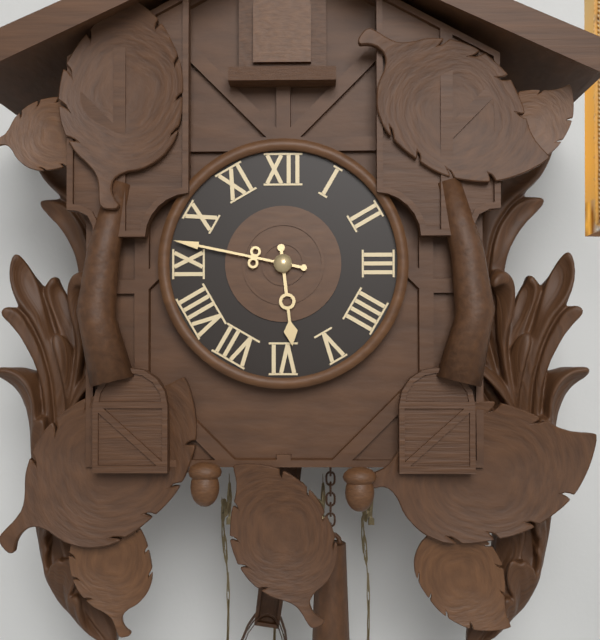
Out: 5,47
